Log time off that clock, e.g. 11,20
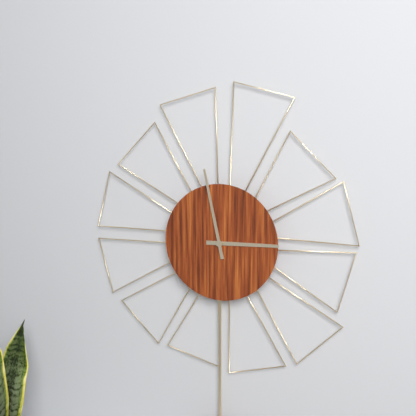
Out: 2,58
